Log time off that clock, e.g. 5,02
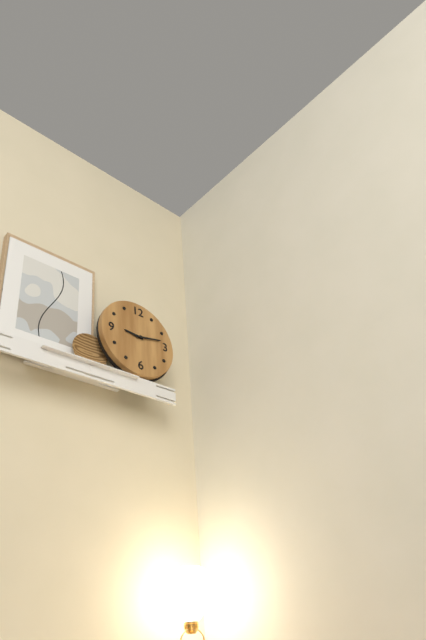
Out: 9,13
